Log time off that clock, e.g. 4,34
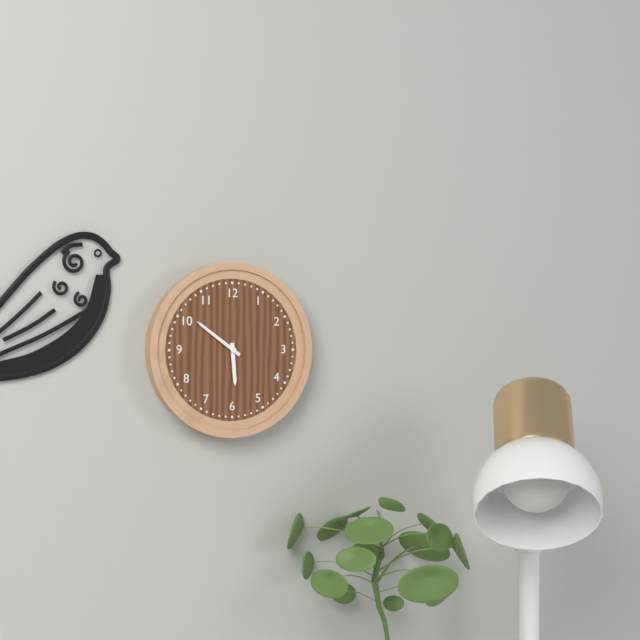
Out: 5,51
